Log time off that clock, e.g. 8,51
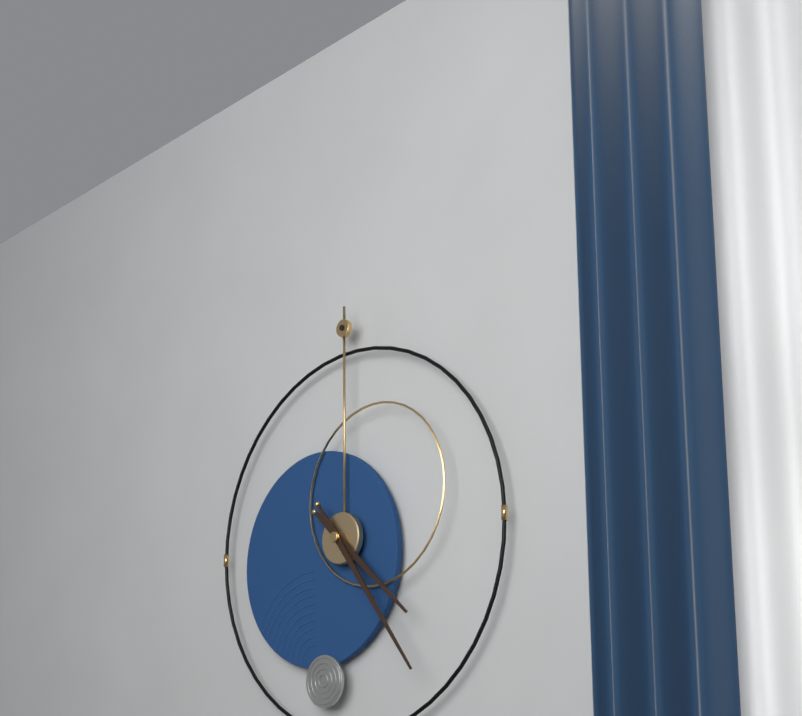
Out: 4,24
